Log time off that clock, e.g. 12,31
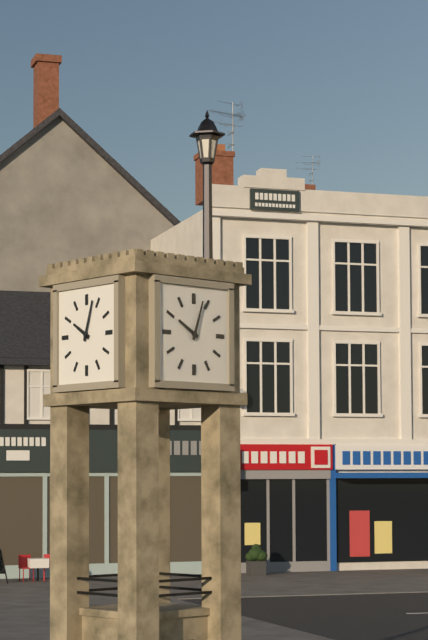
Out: 10,03
